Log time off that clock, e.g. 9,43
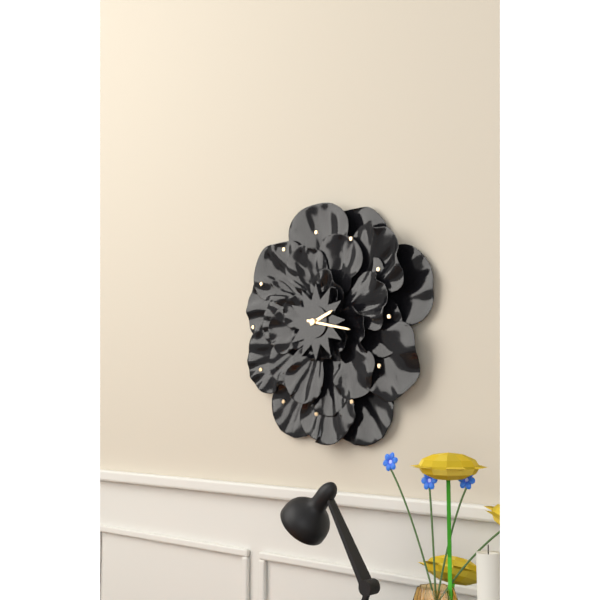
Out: 2,17
